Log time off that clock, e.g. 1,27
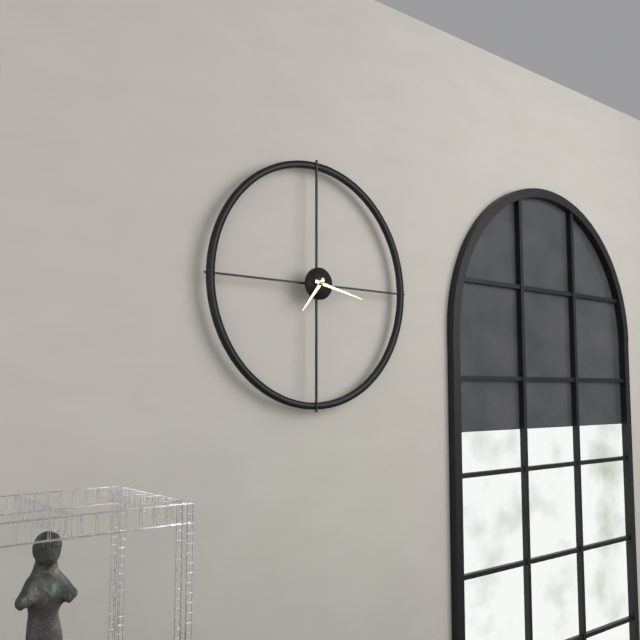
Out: 7,17
